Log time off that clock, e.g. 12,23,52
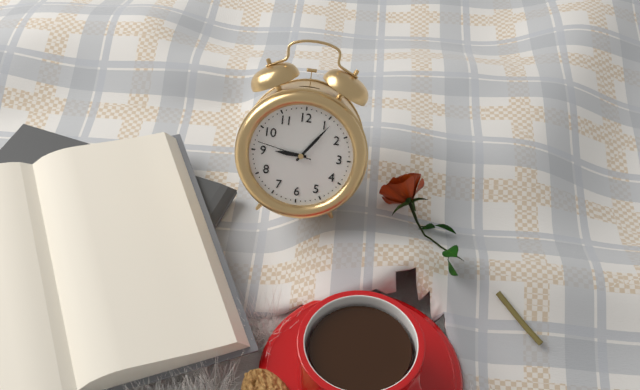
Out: 9,06,47
